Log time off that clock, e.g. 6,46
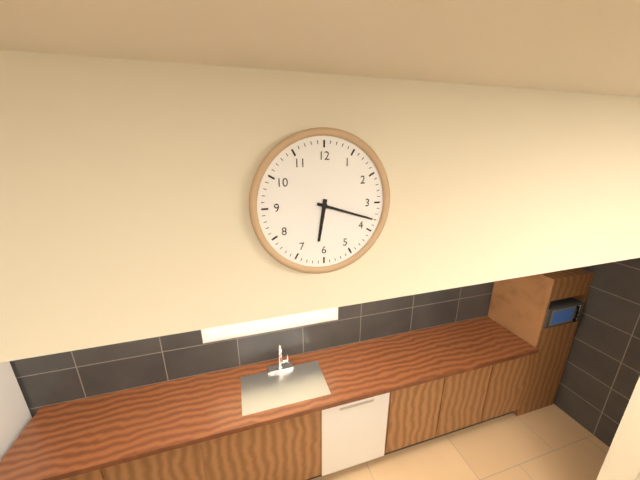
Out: 6,18
